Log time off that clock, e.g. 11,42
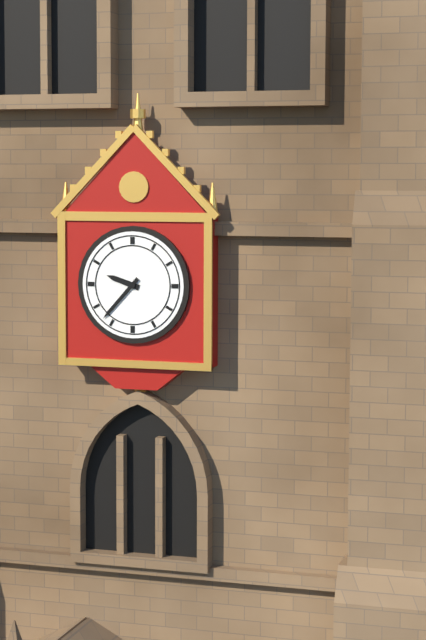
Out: 9,37
